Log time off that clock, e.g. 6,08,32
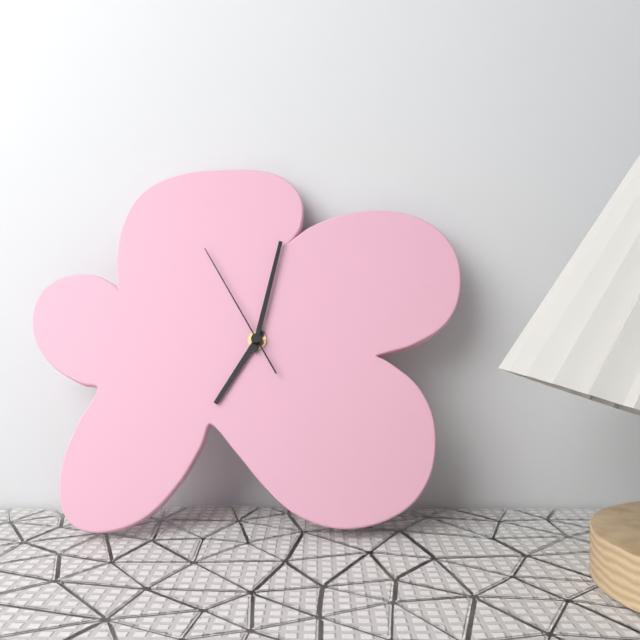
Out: 7,02,55
